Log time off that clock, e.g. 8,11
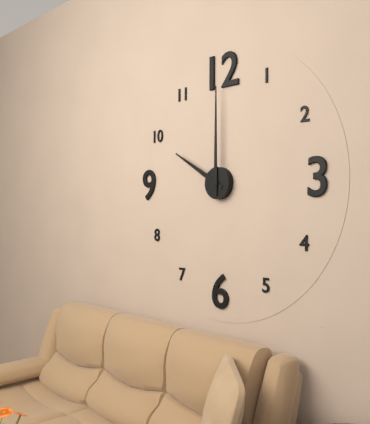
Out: 10,00
